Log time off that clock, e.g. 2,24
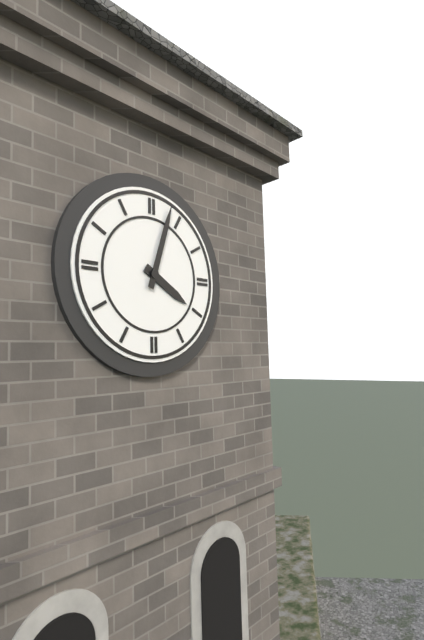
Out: 4,03
